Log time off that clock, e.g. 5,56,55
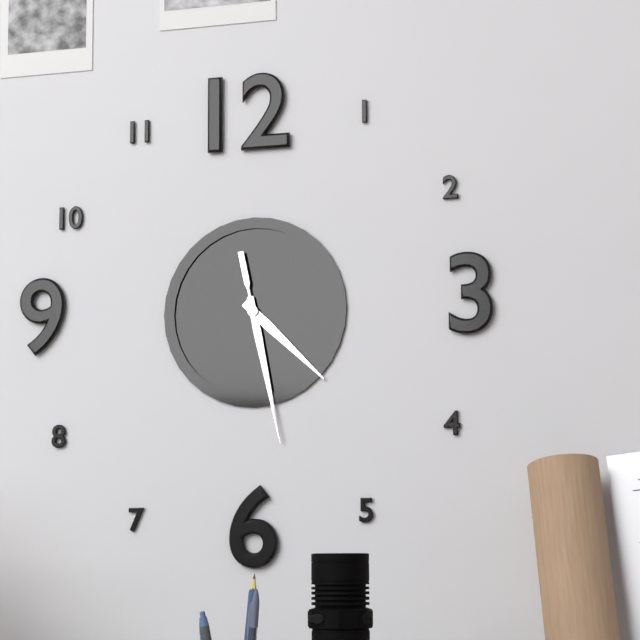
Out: 4,28,28
